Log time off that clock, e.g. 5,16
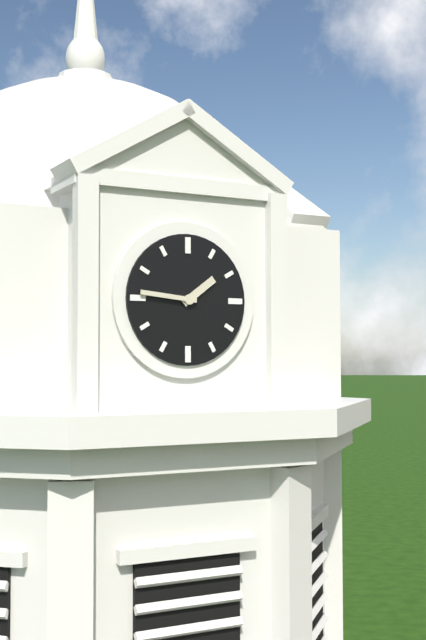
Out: 1,46
